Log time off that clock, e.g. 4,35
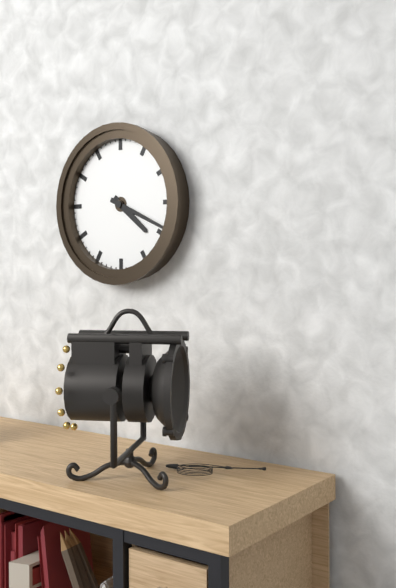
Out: 4,19
